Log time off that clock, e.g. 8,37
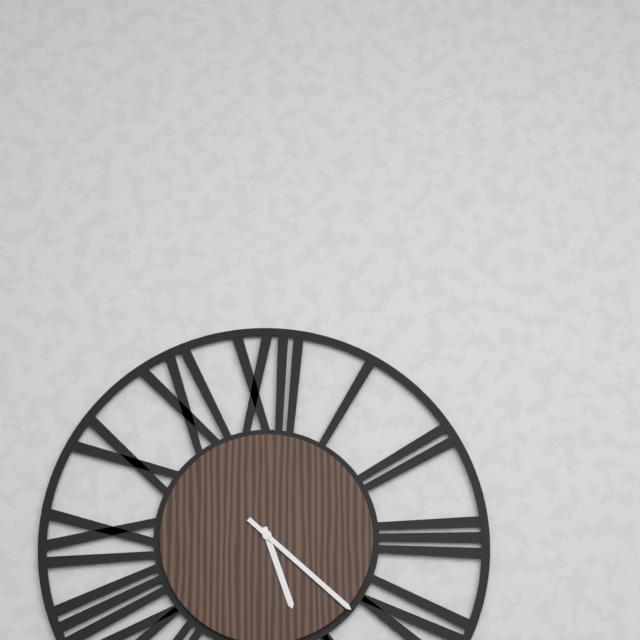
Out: 5,22
